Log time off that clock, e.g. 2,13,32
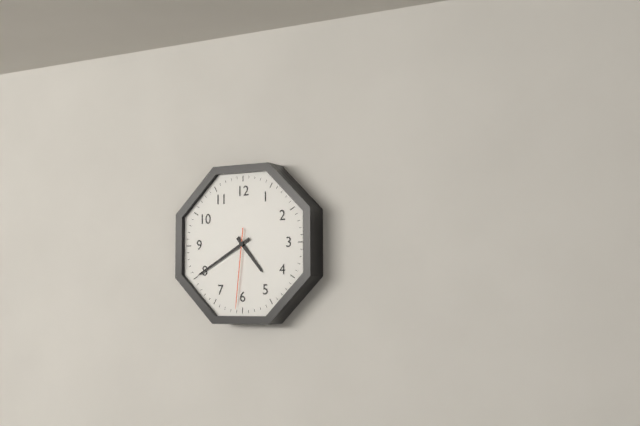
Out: 4,40,31
